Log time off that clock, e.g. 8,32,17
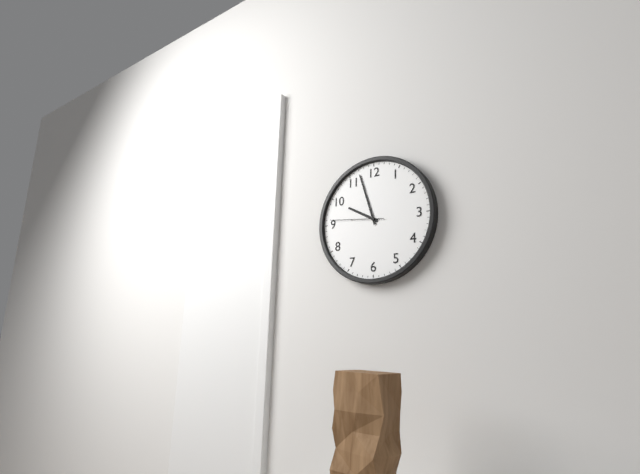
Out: 9,57,46
